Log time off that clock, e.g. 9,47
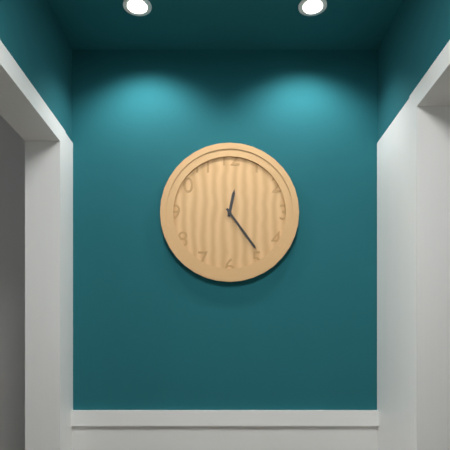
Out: 12,24
